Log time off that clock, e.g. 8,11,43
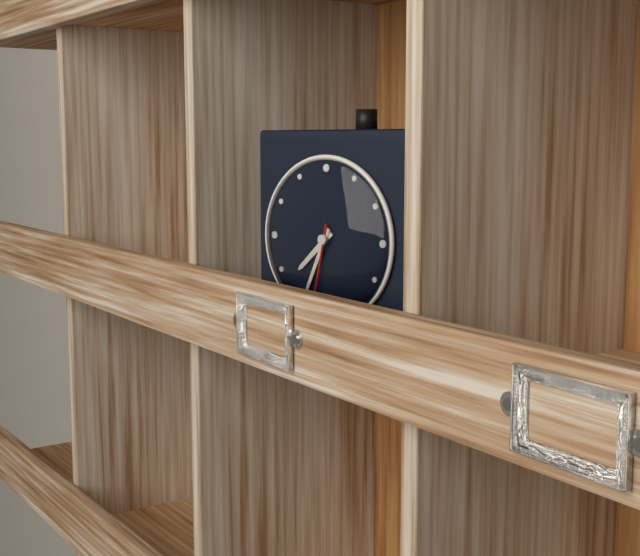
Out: 7,34,32
